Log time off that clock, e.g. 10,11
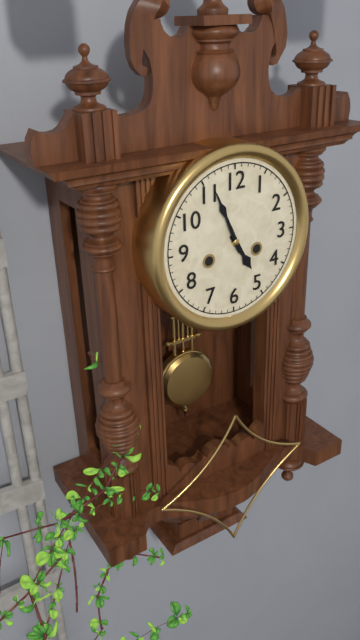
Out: 4,56
